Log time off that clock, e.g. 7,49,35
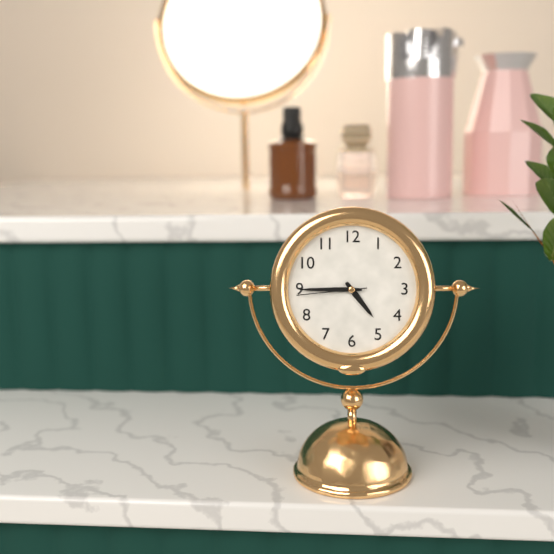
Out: 4,45,44
